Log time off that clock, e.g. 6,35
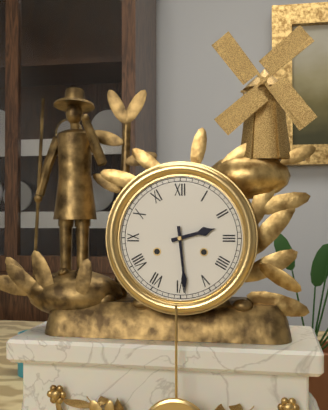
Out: 2,29
